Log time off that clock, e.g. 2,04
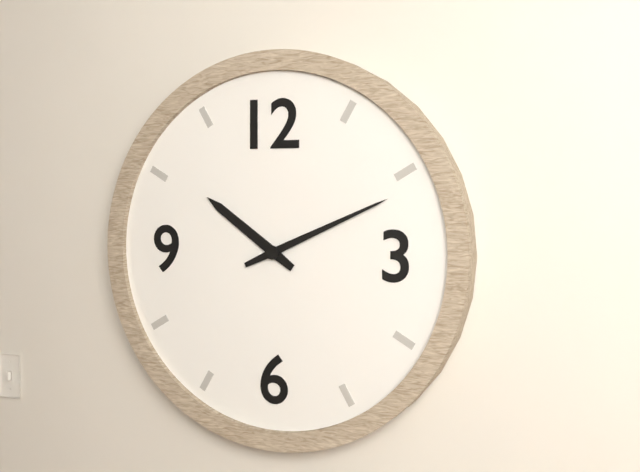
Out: 10,11
